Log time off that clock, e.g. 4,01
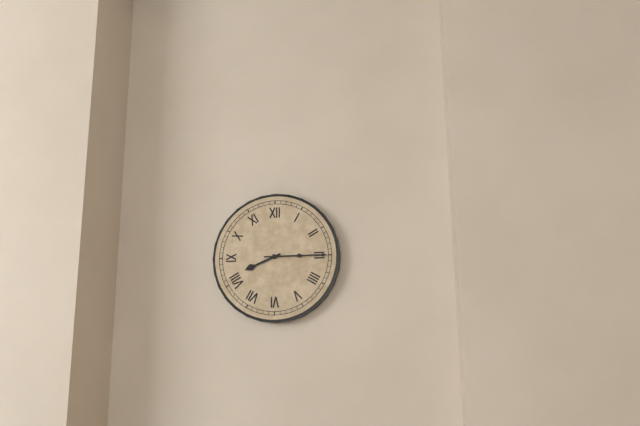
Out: 8,15
